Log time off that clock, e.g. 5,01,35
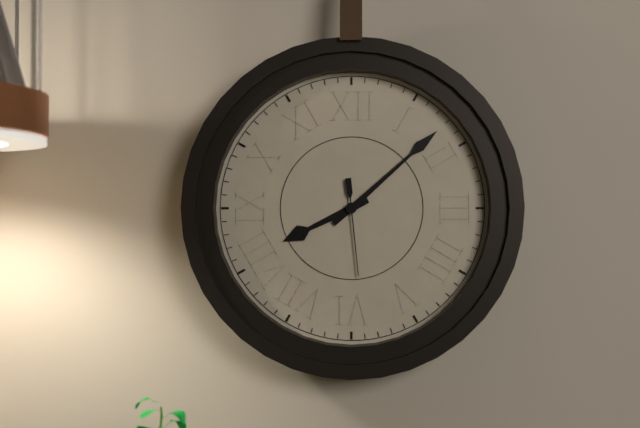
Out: 8,08,29
